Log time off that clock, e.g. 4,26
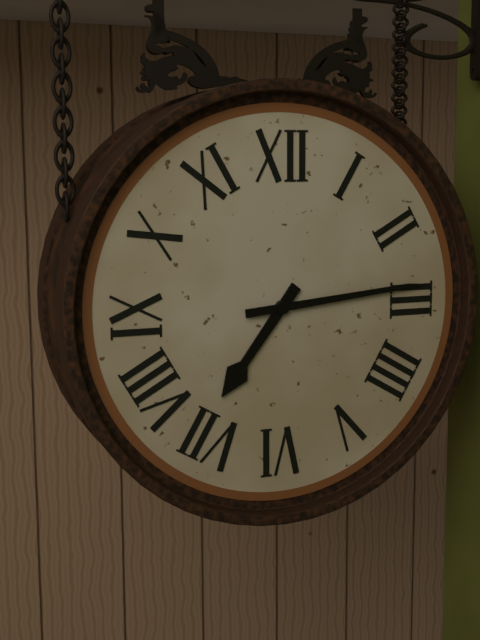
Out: 7,14
